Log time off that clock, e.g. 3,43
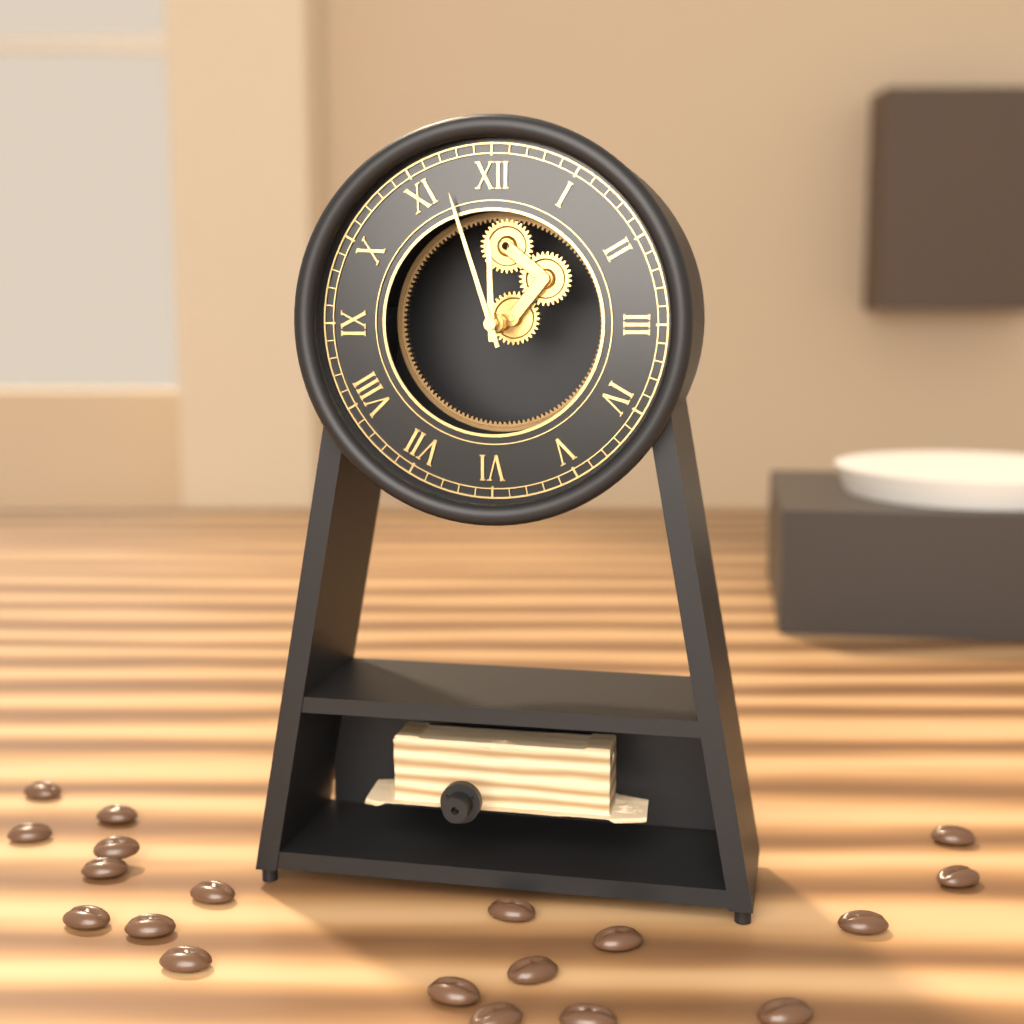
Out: 11,57
